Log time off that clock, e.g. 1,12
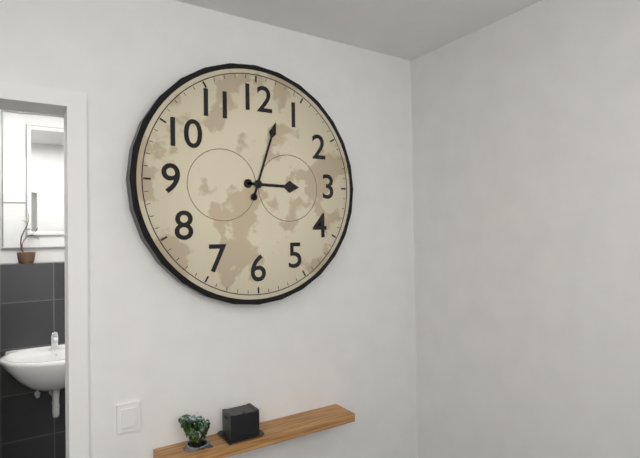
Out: 3,03
